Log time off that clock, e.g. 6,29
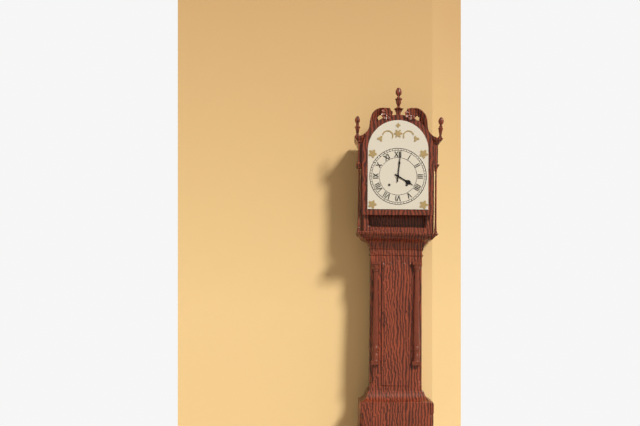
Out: 4,01
